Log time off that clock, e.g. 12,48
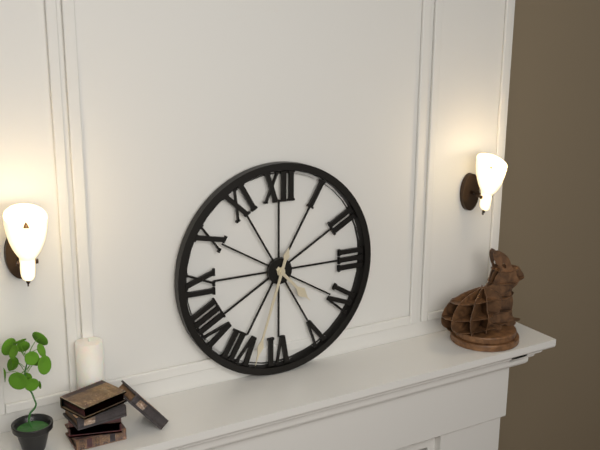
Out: 4,33
